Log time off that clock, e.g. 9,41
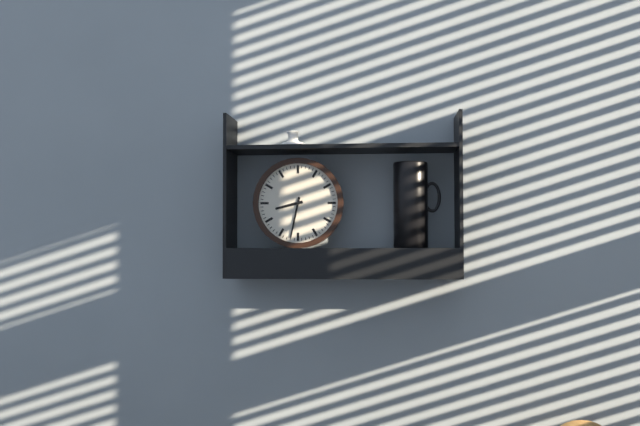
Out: 8,32
